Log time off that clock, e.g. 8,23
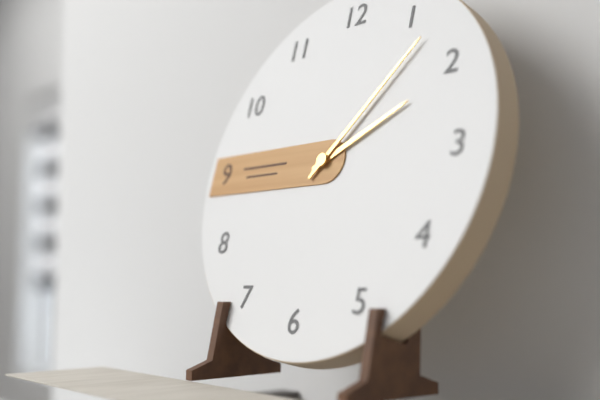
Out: 2,07
